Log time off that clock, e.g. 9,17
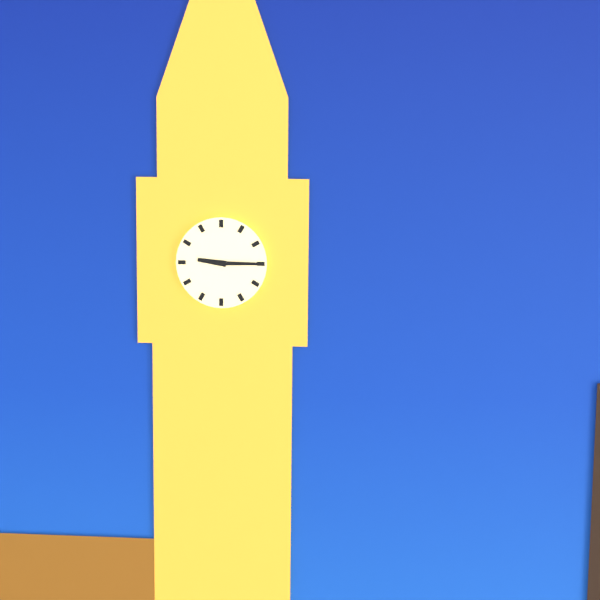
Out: 9,15
